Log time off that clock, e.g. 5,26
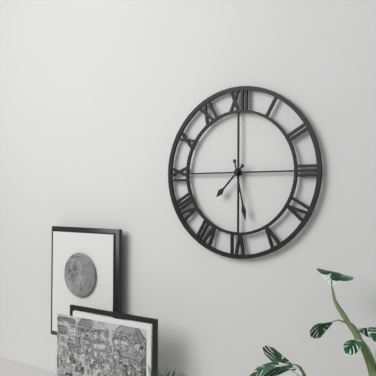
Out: 7,28
